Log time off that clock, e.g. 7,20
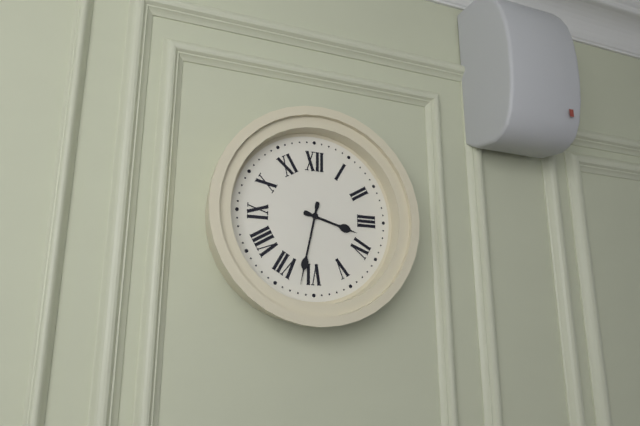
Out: 3,32
